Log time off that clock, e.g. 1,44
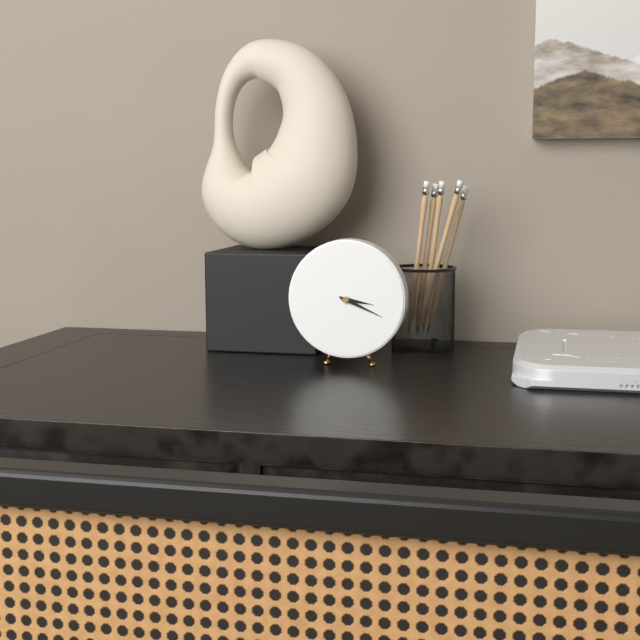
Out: 3,19
